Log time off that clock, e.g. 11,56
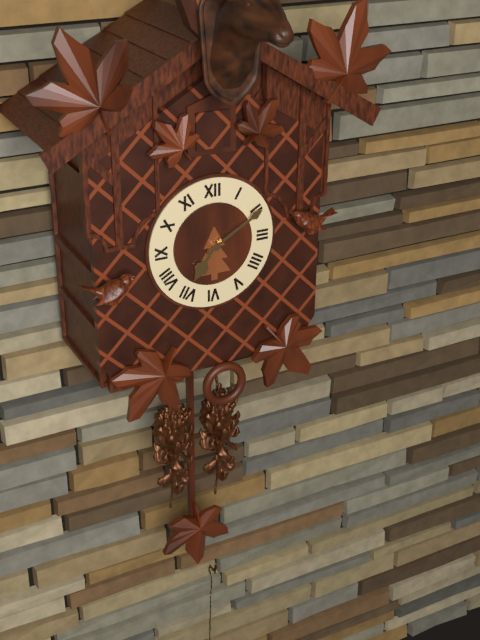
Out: 7,10
